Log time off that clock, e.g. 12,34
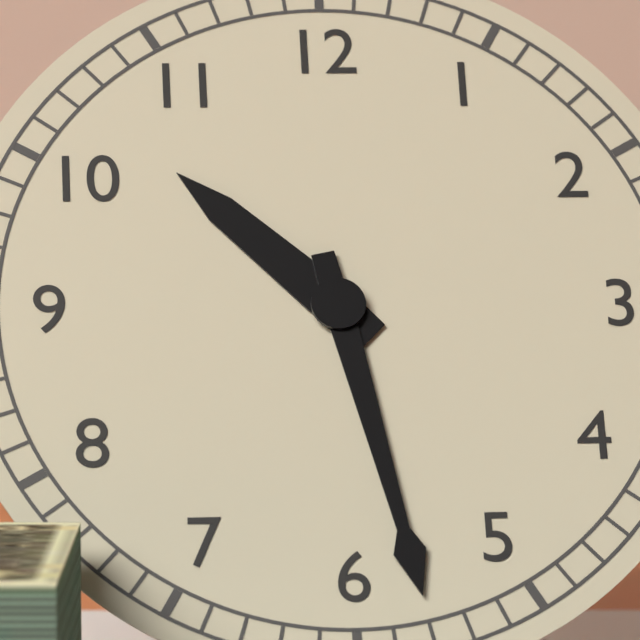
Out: 10,28
